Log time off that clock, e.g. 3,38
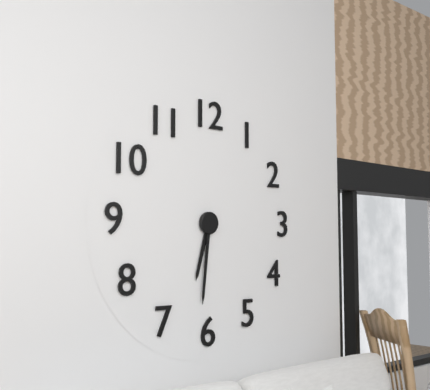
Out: 6,31
